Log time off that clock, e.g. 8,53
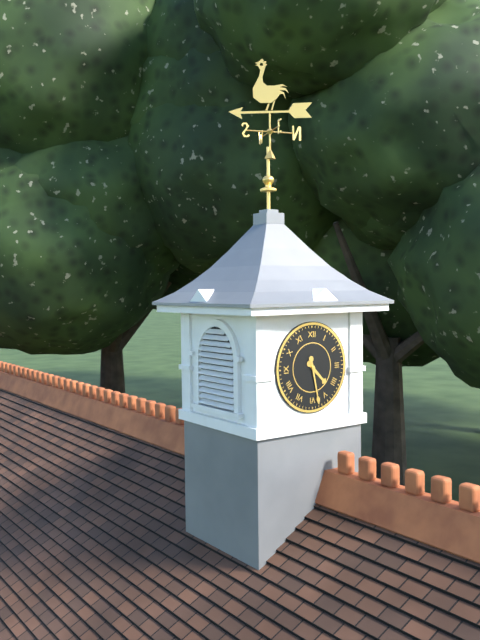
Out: 4,28
